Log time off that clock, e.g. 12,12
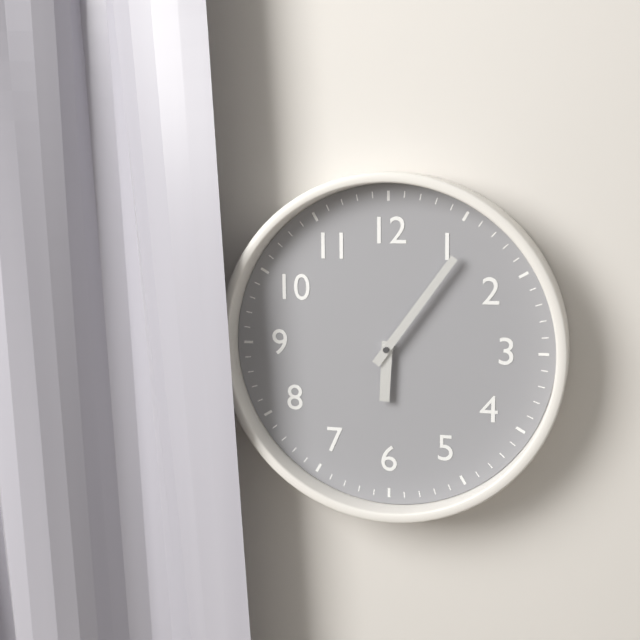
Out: 6,06
